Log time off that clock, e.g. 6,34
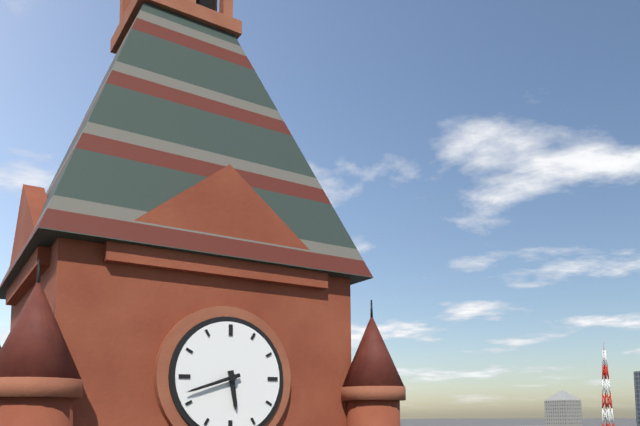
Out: 5,42
